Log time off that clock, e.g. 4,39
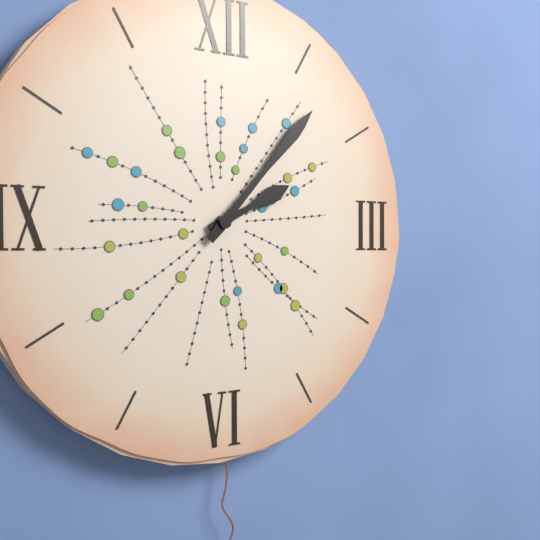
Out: 2,07
